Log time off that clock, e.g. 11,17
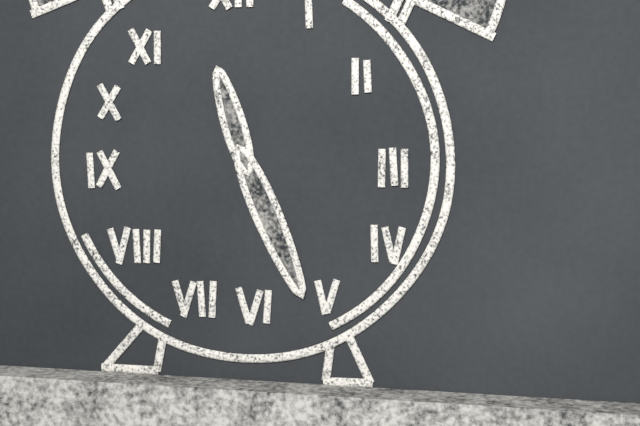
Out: 11,26
